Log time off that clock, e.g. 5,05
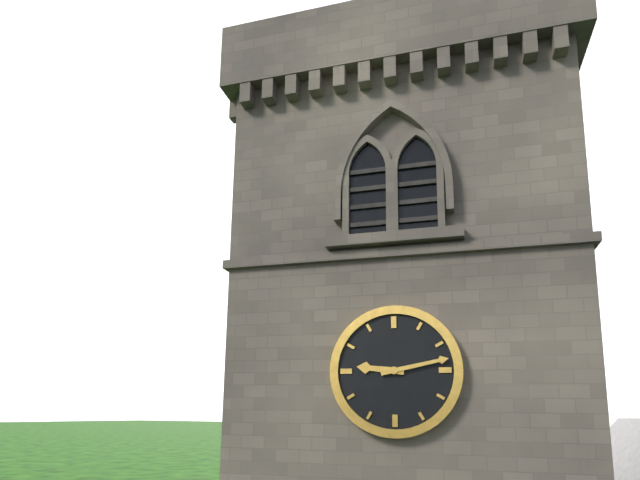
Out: 9,13
